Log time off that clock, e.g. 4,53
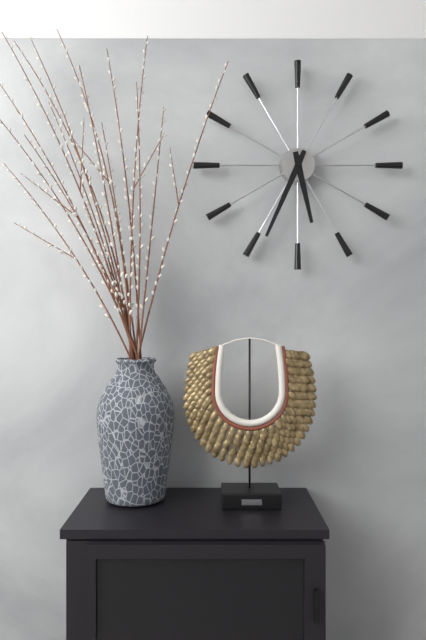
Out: 5,34
